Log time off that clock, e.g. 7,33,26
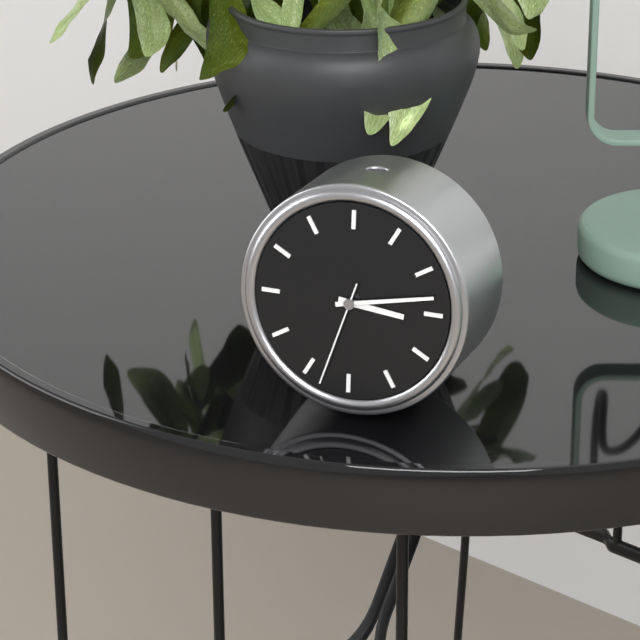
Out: 3,13,33
